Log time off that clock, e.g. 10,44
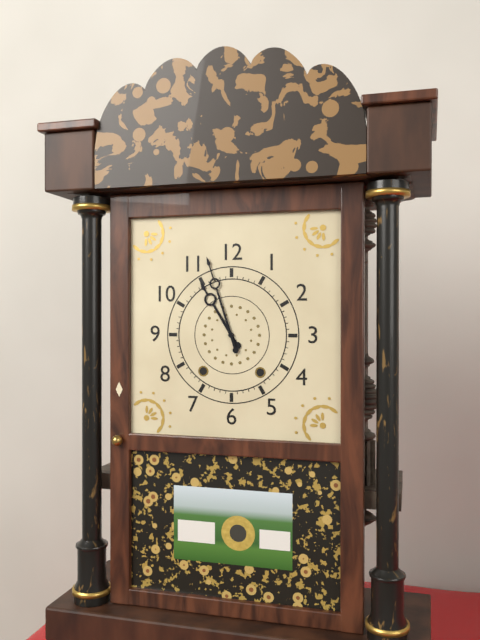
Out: 10,57
